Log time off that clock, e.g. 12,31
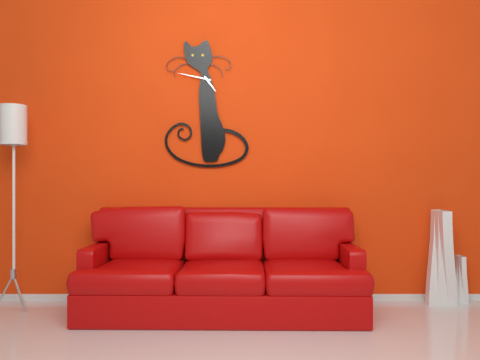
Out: 4,47
